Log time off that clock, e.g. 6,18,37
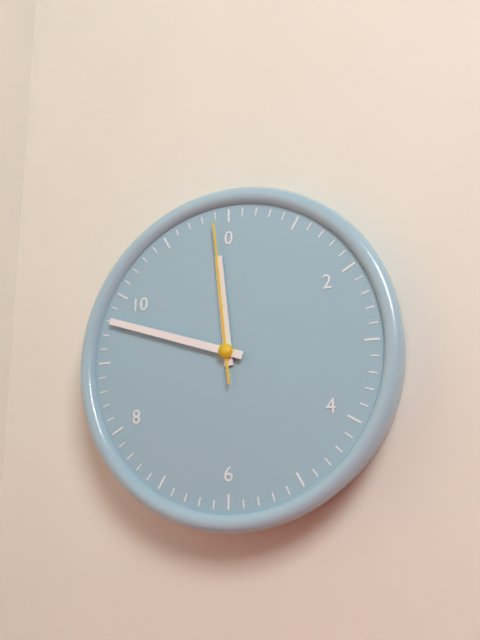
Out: 11,48,59
